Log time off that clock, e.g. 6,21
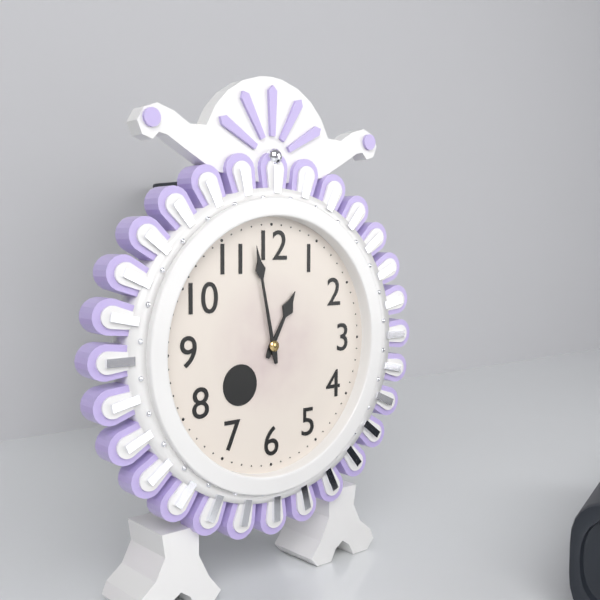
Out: 12,58
